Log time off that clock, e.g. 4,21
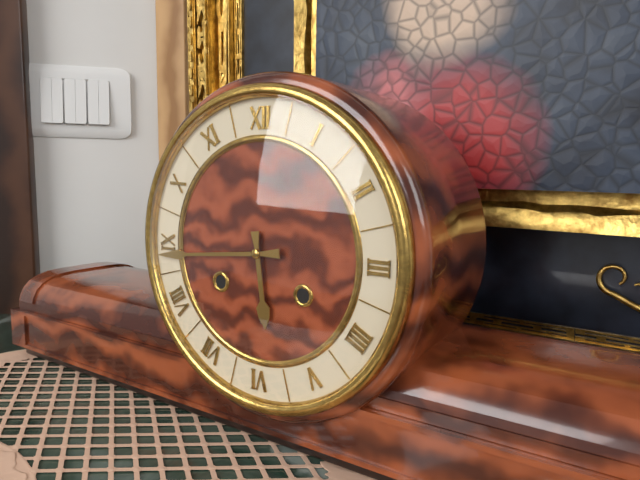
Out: 5,44
